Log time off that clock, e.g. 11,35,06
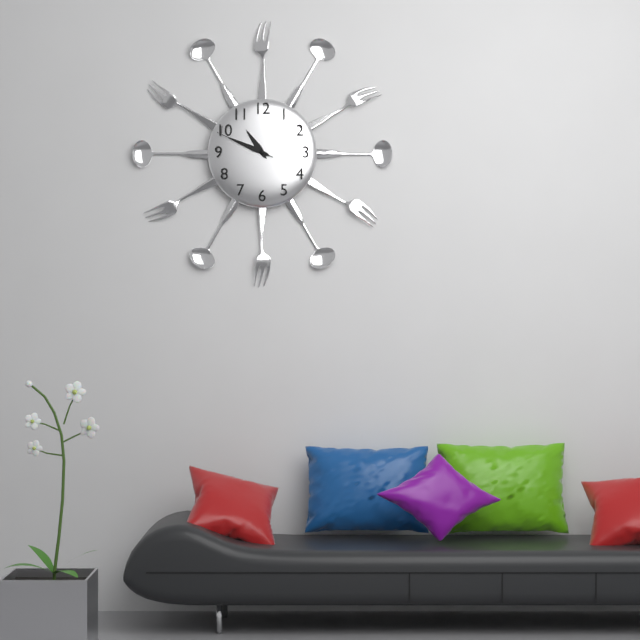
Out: 10,49,49
